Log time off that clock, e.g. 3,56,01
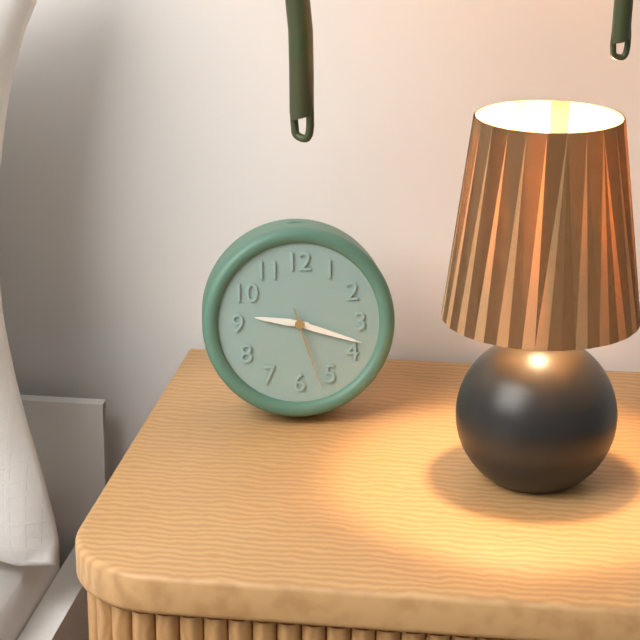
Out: 9,18,27
